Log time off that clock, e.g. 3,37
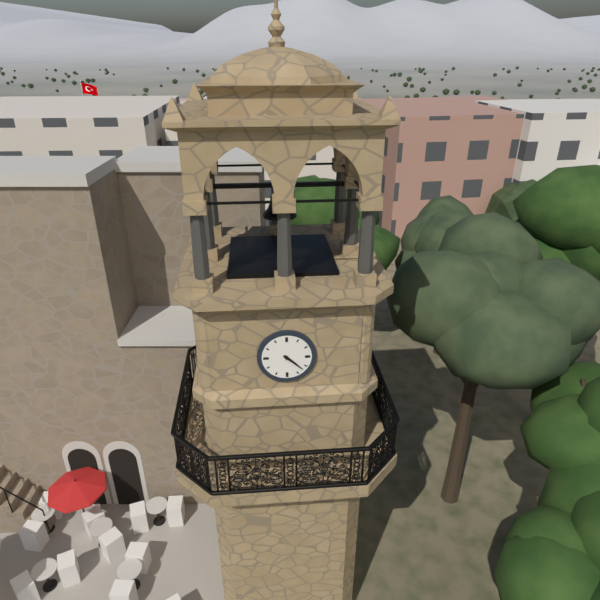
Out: 4,22
